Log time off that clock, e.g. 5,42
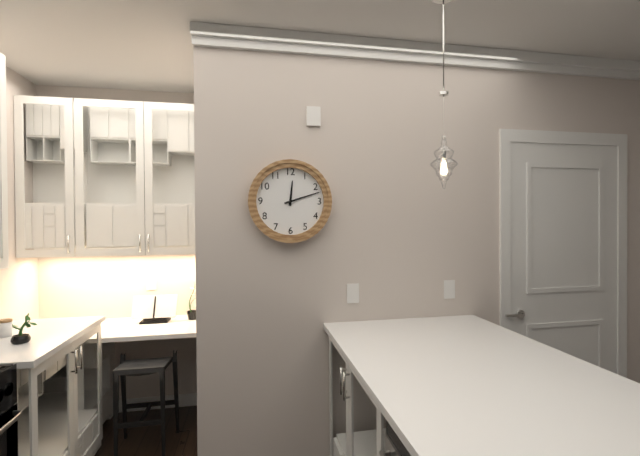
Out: 12,12
